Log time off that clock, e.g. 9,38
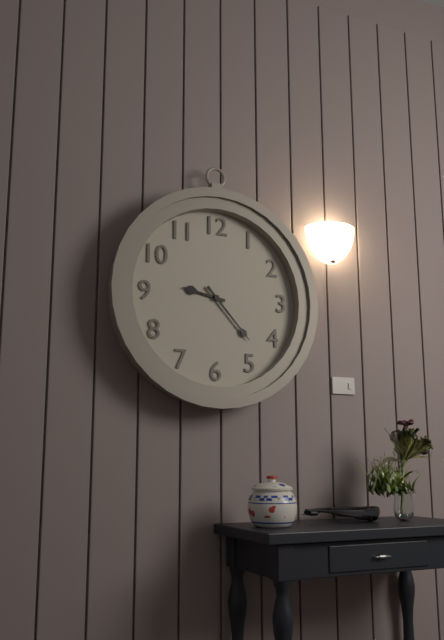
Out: 9,23
